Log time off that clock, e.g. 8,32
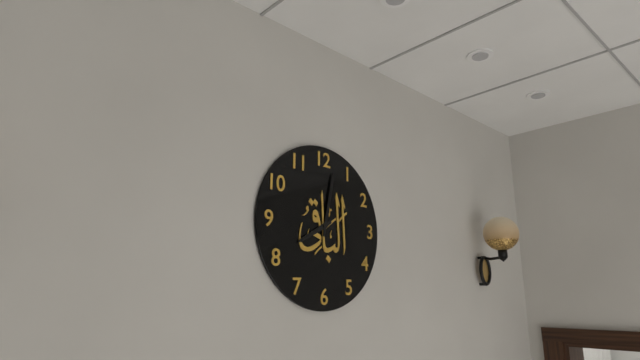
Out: 8,02
